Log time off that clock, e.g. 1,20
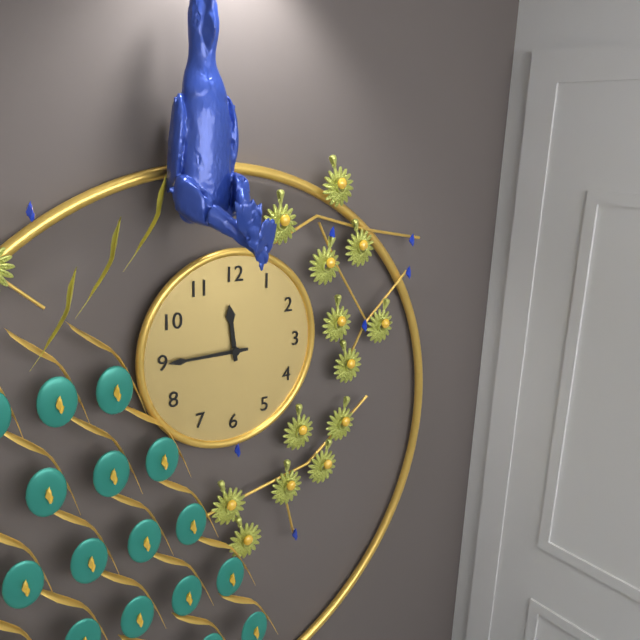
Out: 11,45
